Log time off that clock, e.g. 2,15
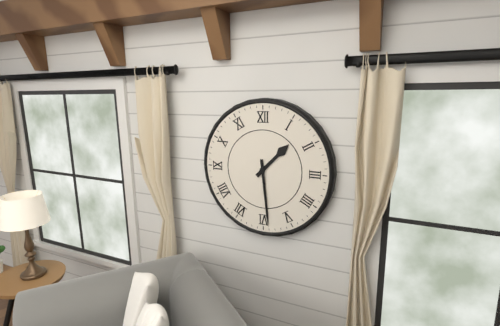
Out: 1,29
